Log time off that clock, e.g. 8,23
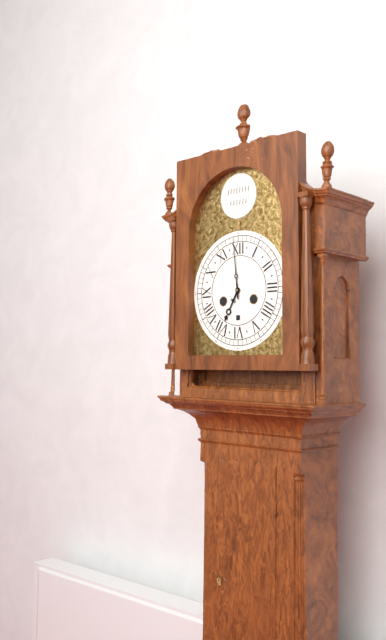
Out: 6,59
